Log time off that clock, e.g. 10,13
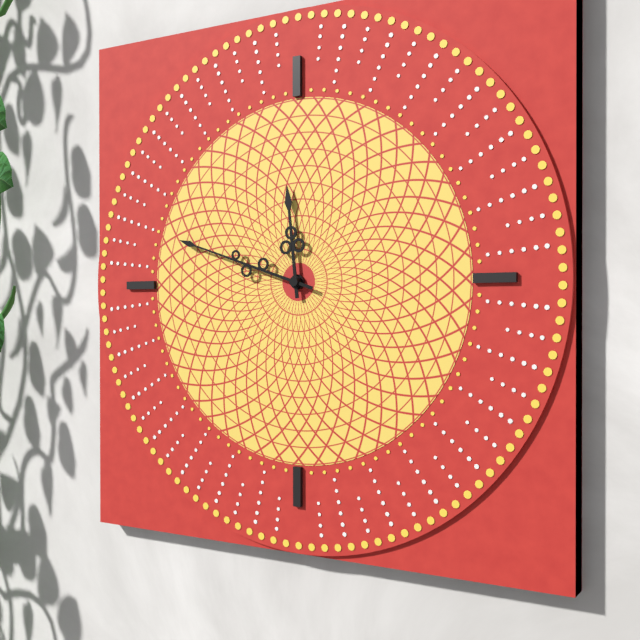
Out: 11,48
